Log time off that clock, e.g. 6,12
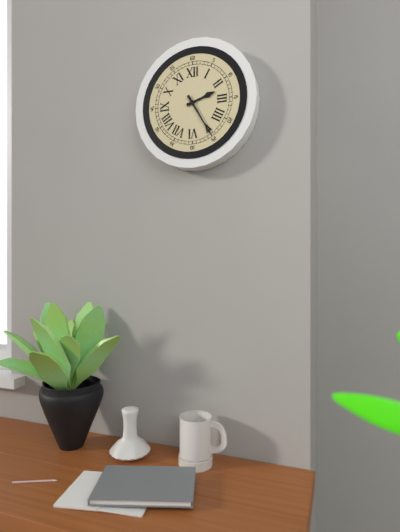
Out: 2,25
